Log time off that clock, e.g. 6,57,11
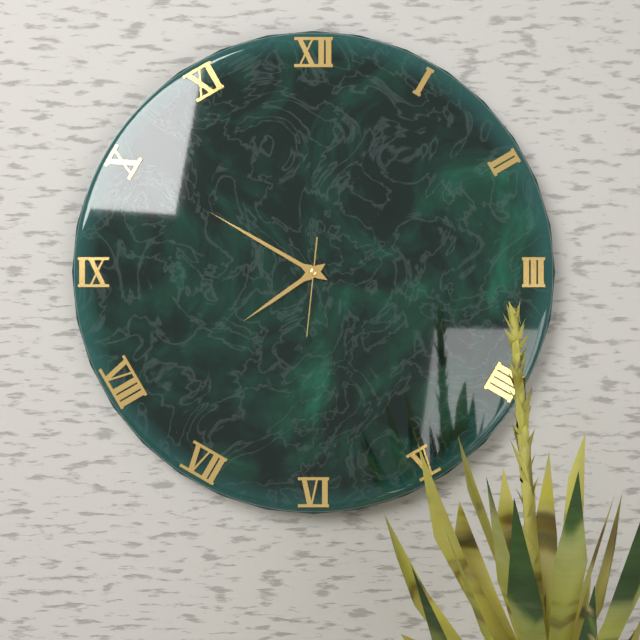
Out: 7,50,31
